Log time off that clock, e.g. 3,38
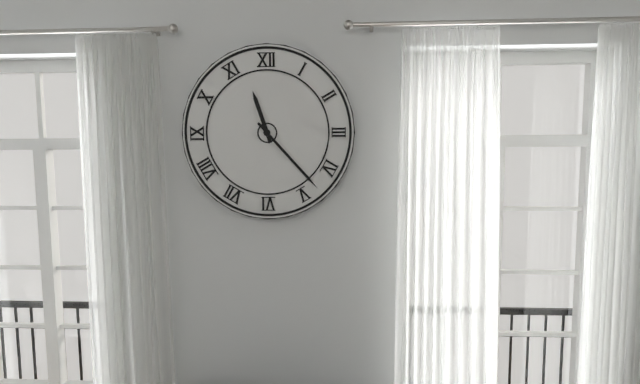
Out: 11,23
